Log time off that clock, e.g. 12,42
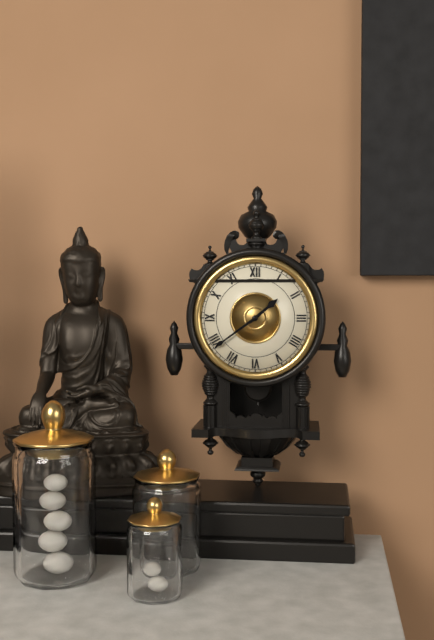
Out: 1,39
